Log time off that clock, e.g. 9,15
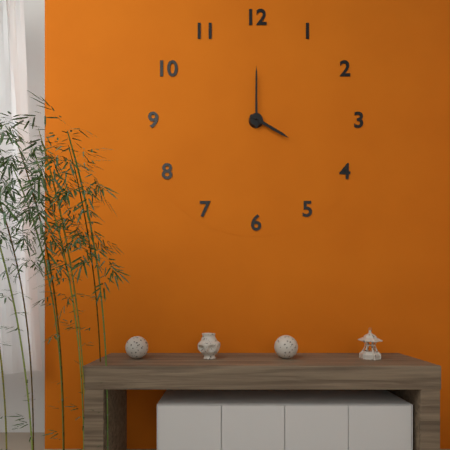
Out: 4,00
